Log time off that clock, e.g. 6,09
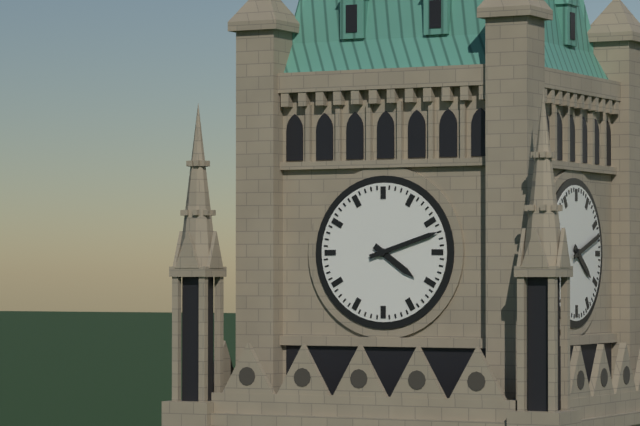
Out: 4,12
